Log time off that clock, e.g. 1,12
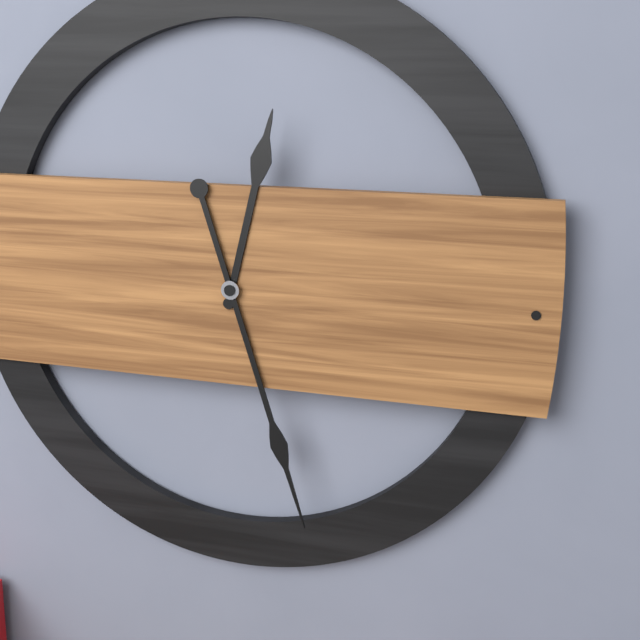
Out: 12,27
